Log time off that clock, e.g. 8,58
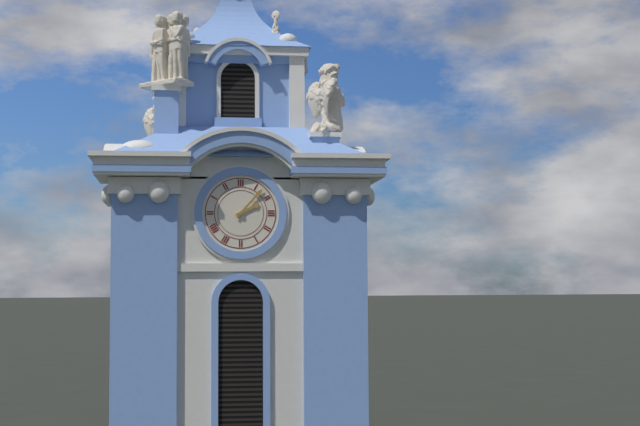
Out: 2,07
